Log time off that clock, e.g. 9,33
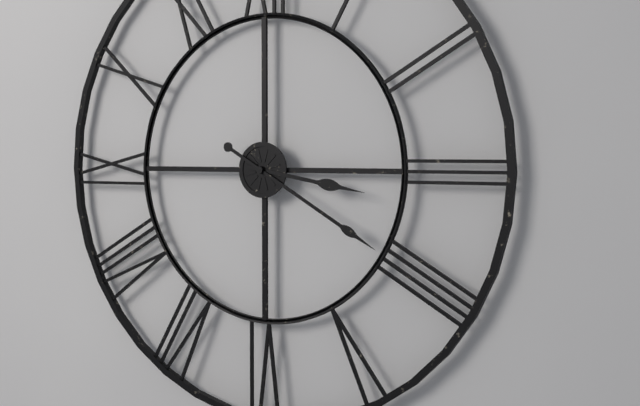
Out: 3,20
